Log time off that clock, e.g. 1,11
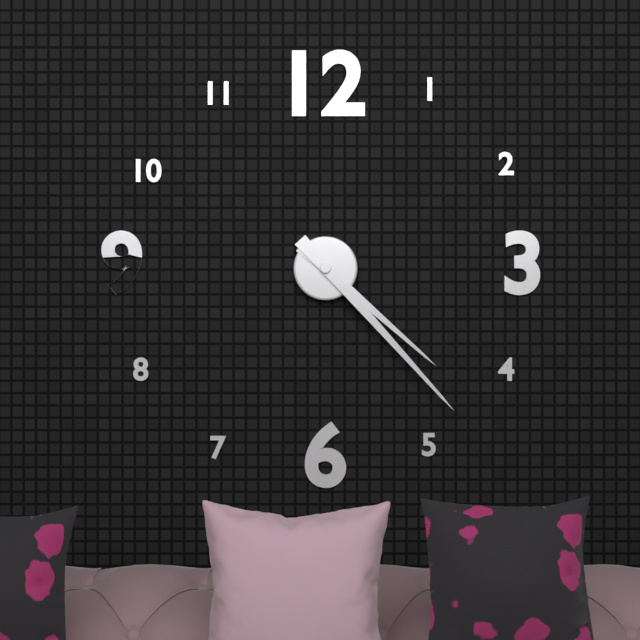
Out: 4,23
